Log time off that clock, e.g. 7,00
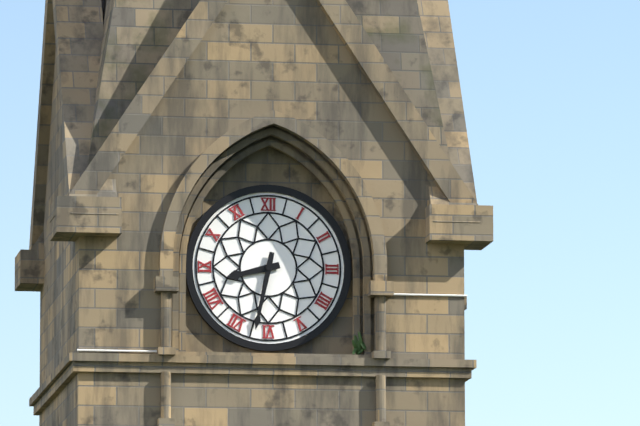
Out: 8,32
